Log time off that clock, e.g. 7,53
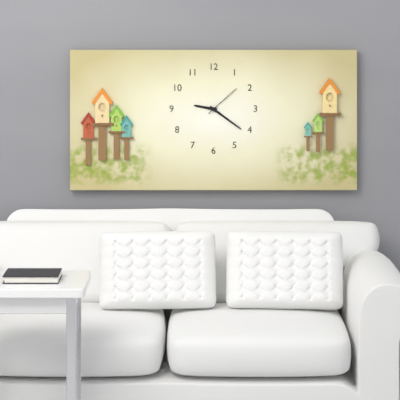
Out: 9,21
